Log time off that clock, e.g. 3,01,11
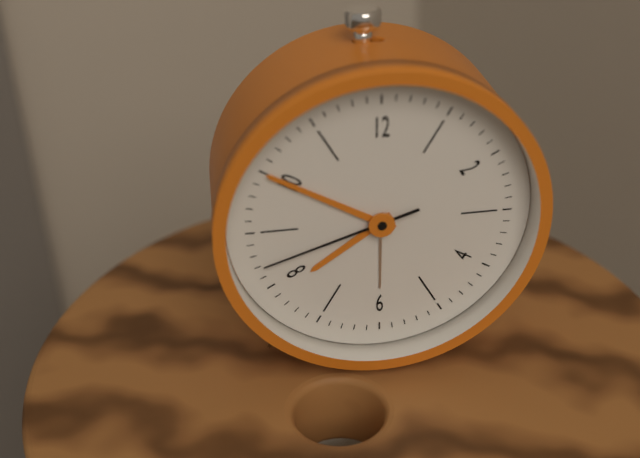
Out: 7,50,42
